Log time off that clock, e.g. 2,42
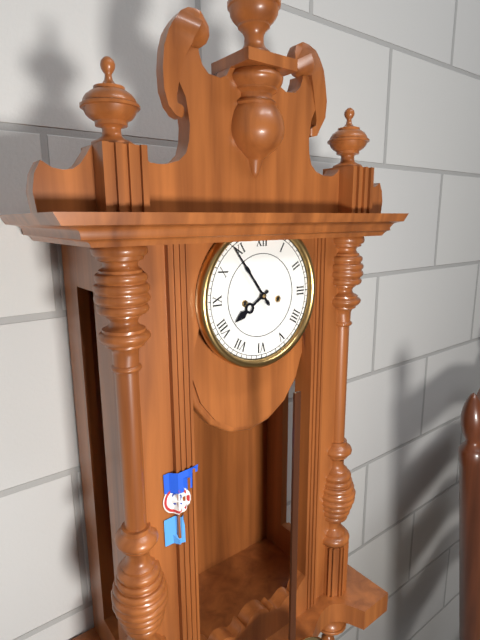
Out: 7,54
